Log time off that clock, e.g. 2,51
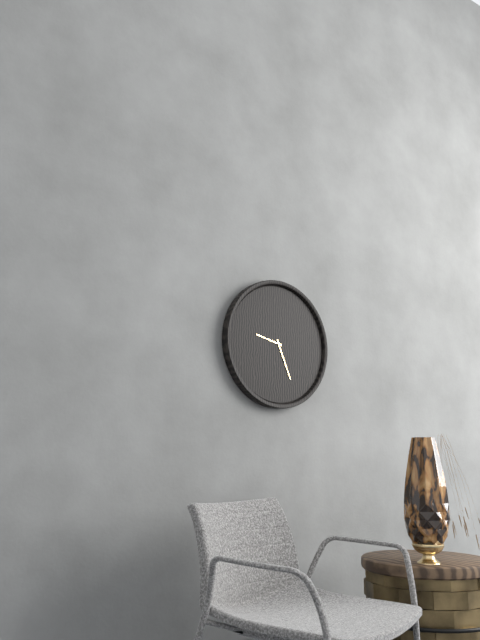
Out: 9,26
